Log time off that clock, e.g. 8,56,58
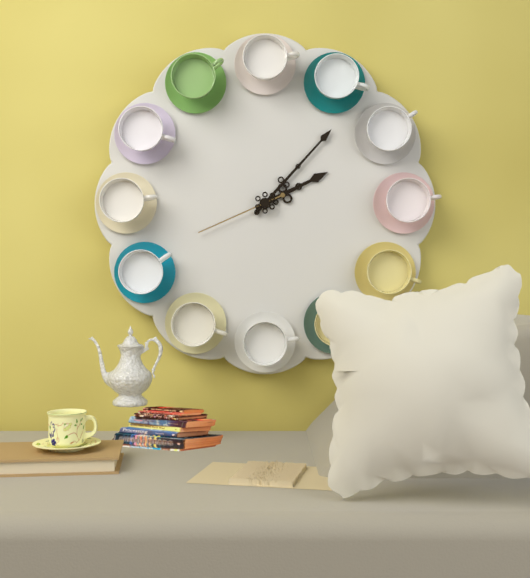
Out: 2,07,41
